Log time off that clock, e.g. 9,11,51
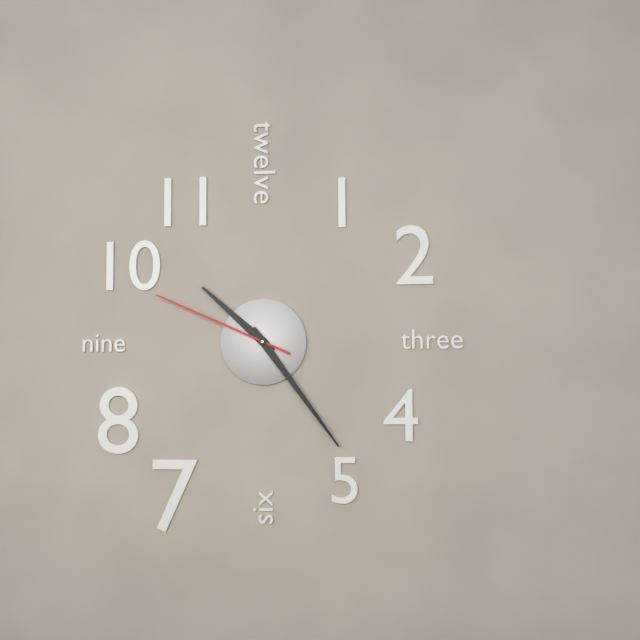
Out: 10,24,49
